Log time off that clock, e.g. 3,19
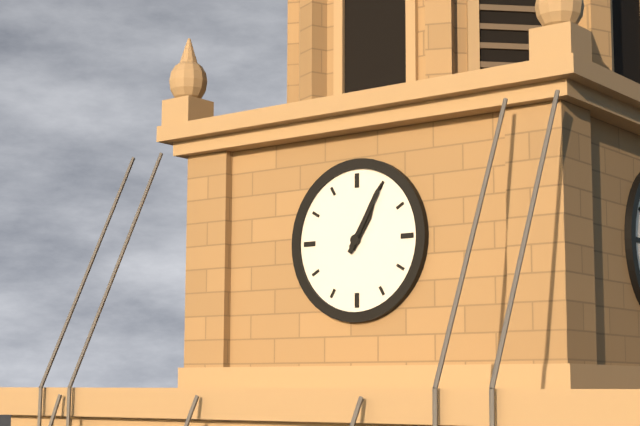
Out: 1,05
